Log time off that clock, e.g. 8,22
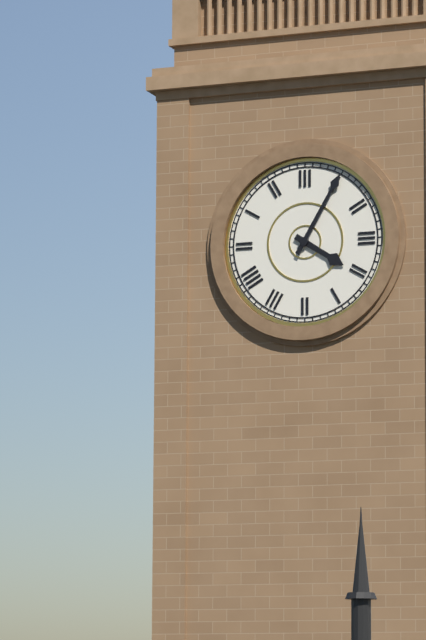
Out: 4,05
